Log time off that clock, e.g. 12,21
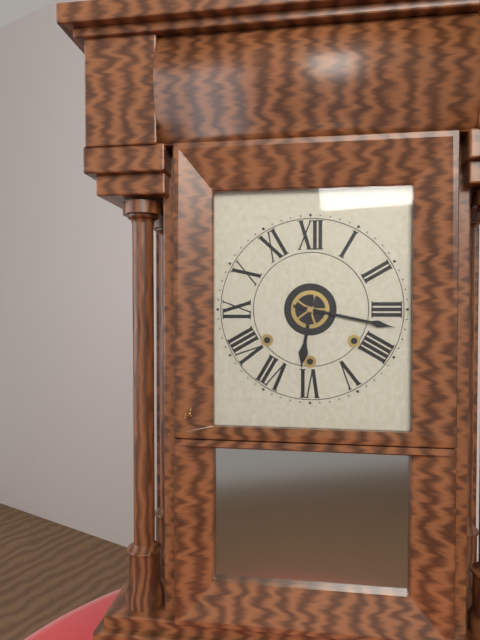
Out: 6,17
